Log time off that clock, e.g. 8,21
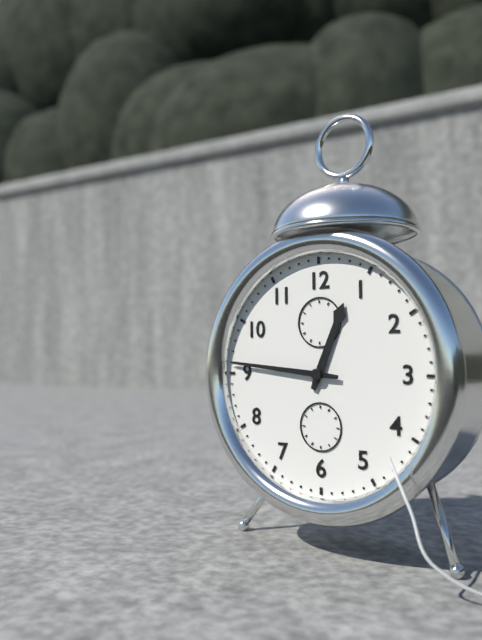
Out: 12,46
